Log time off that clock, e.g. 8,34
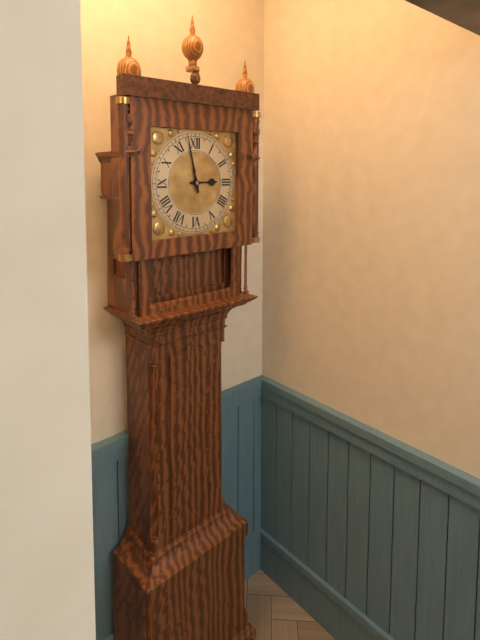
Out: 2,58
